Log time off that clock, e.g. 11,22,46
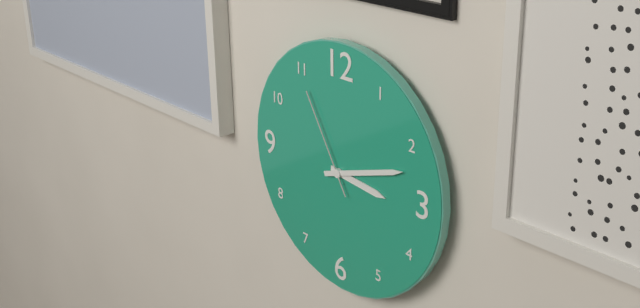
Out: 3,12,55
